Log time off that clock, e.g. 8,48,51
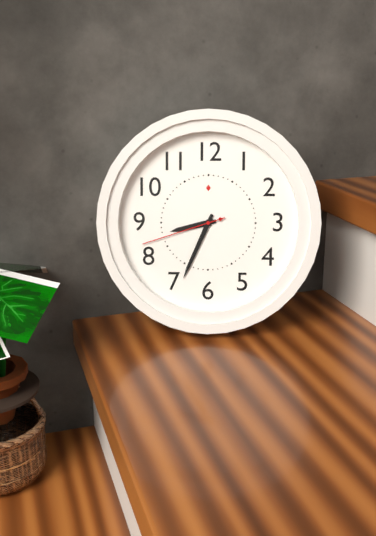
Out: 8,34,42
